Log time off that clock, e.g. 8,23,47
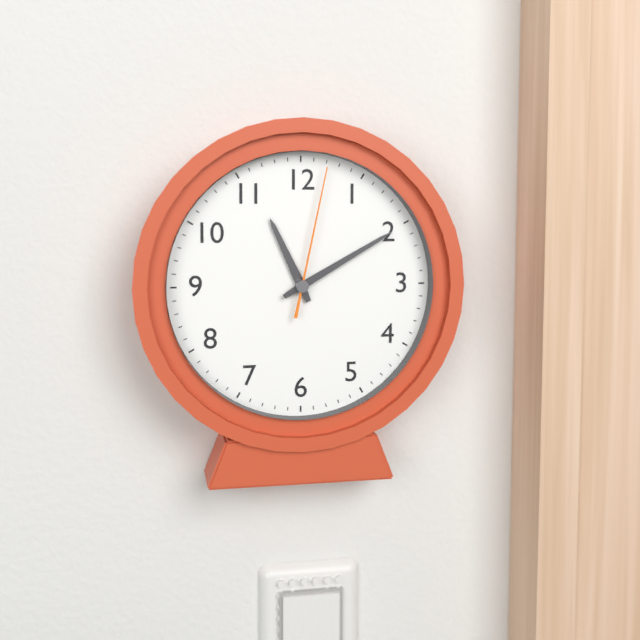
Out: 11,10,02
